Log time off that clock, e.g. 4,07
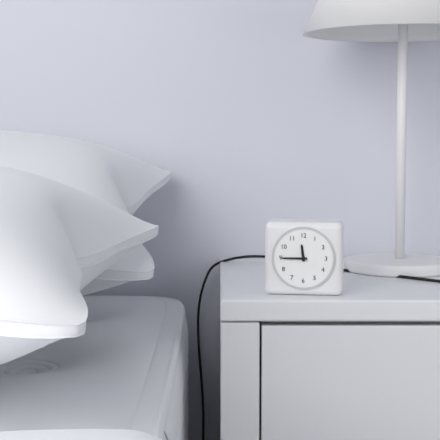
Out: 11,45
